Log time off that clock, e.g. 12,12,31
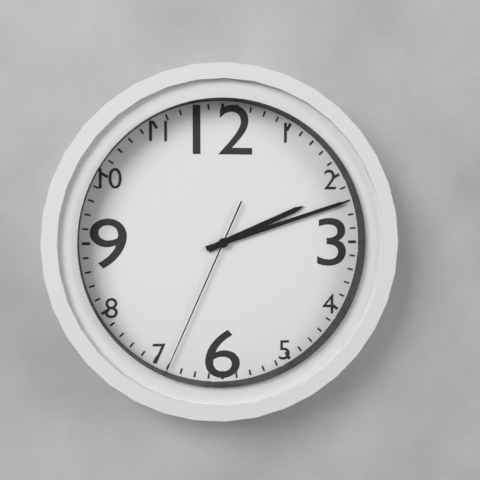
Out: 2,12,34
